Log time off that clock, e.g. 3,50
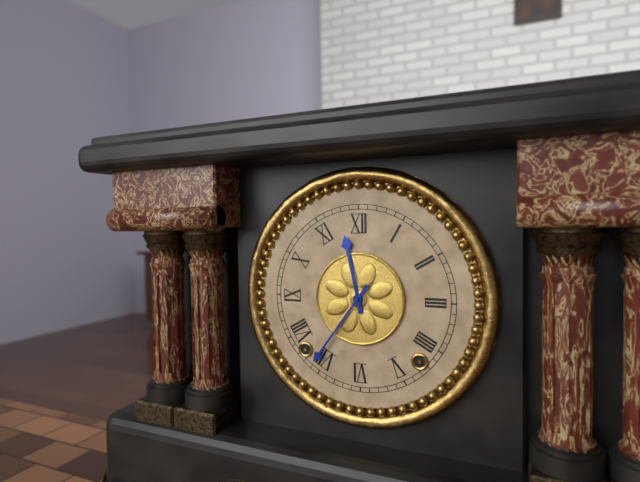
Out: 11,36
